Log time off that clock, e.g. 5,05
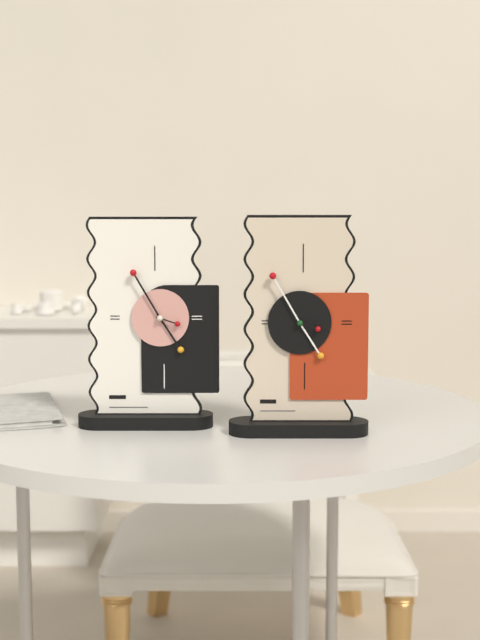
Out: 4,55
